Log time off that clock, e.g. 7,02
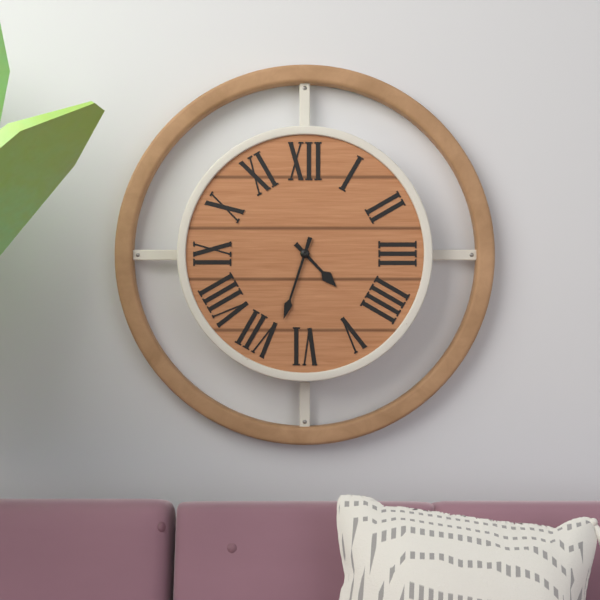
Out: 4,33
